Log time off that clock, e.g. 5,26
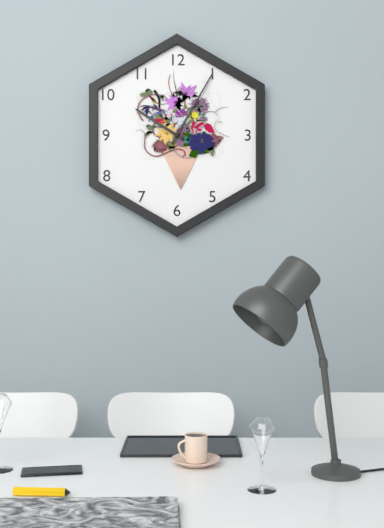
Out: 10,05
